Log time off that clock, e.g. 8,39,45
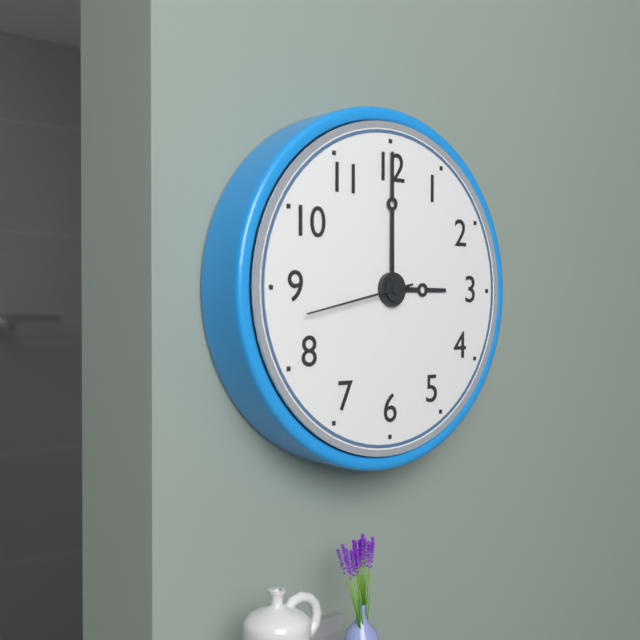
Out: 3,00,43
